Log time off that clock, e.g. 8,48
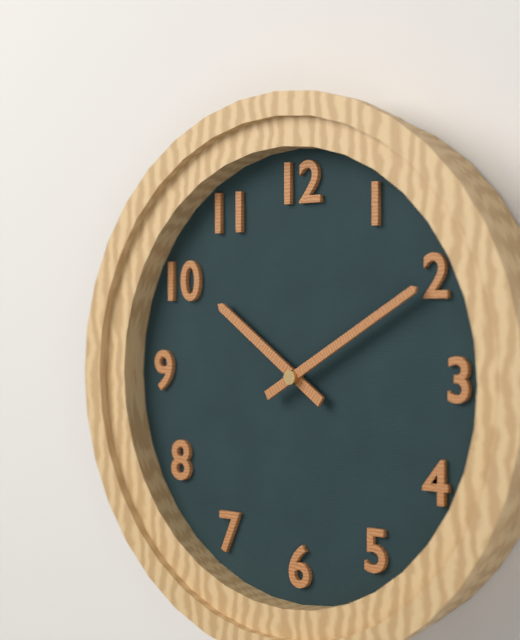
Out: 10,10
